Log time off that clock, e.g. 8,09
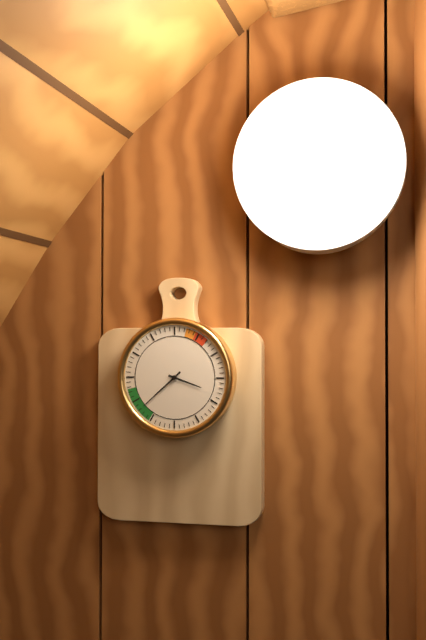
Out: 3,38
